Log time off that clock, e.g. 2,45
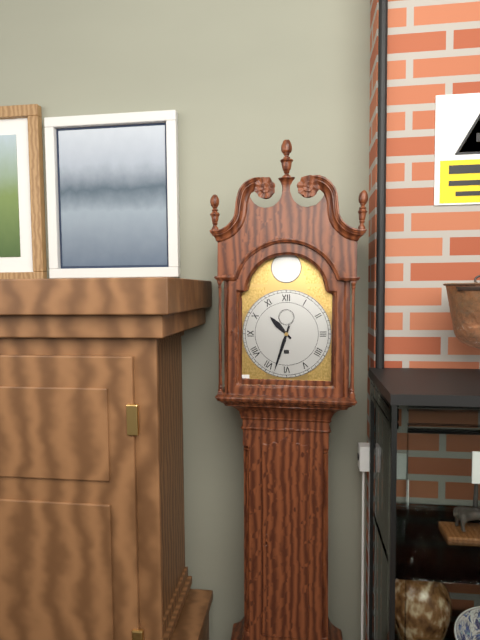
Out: 10,33
